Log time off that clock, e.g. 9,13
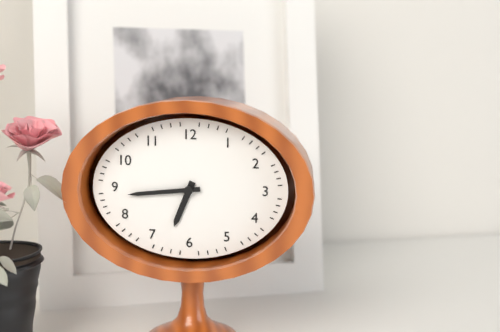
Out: 6,44
